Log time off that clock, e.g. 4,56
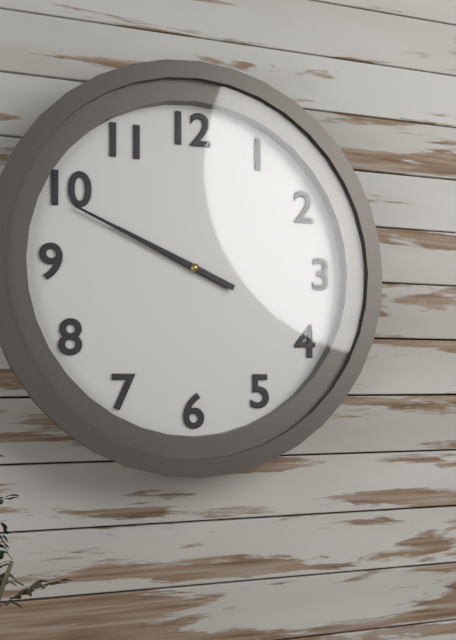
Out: 9,49
